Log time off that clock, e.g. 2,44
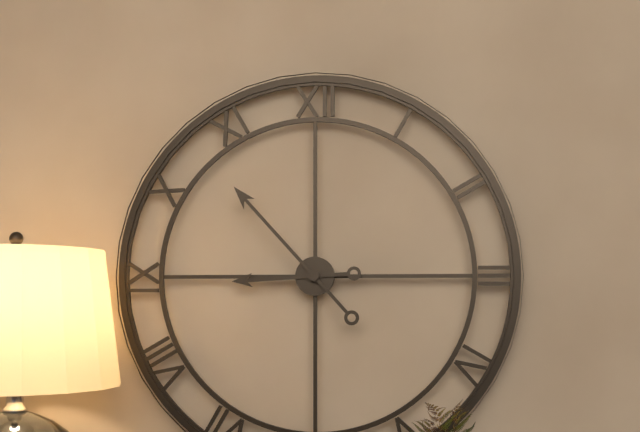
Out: 8,53
